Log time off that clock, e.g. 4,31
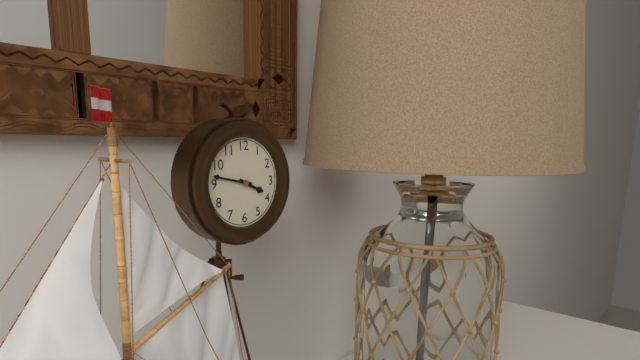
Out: 3,47
